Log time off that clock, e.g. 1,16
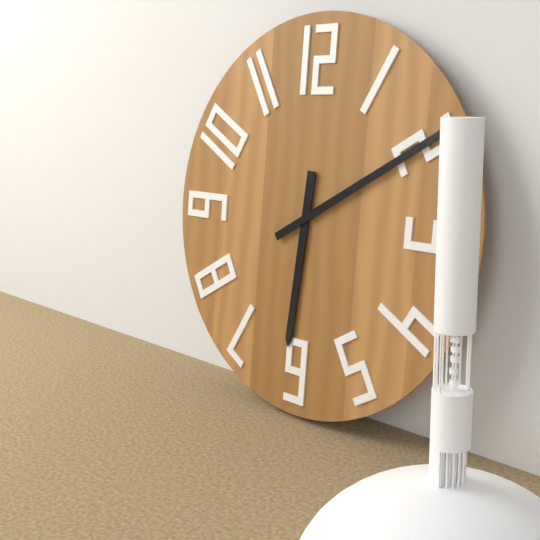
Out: 6,10
